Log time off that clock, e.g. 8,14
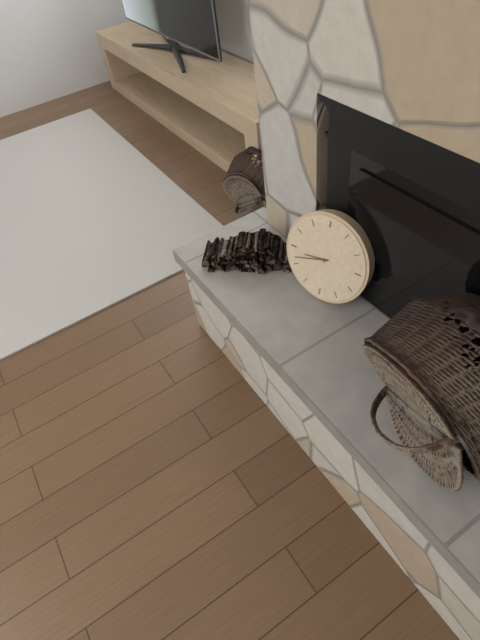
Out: 8,42
